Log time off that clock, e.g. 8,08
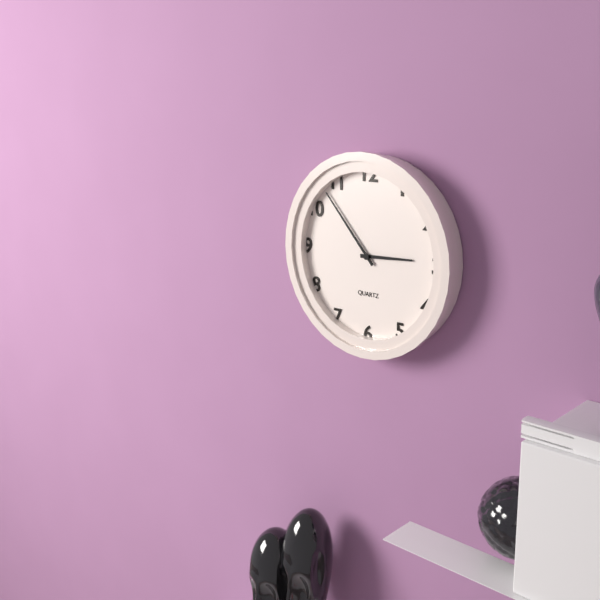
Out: 2,53
